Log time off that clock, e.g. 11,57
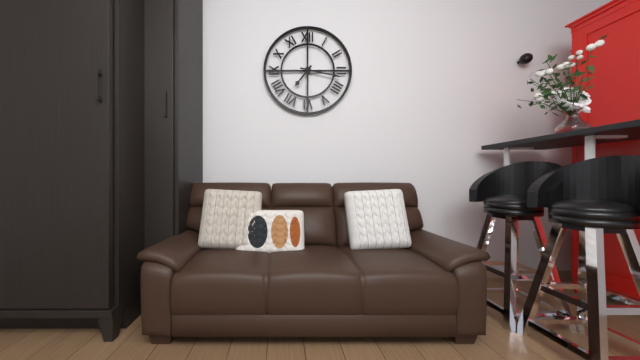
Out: 7,17
